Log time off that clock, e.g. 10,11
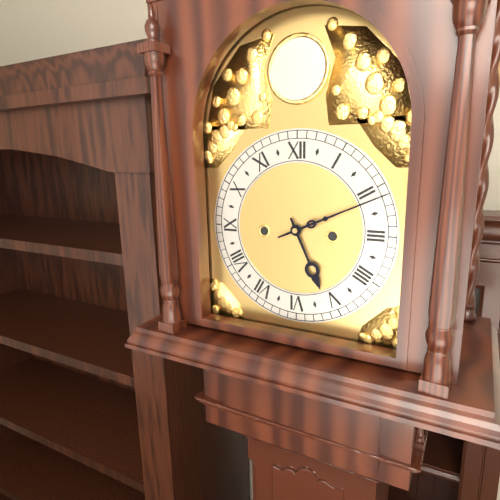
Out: 5,11
